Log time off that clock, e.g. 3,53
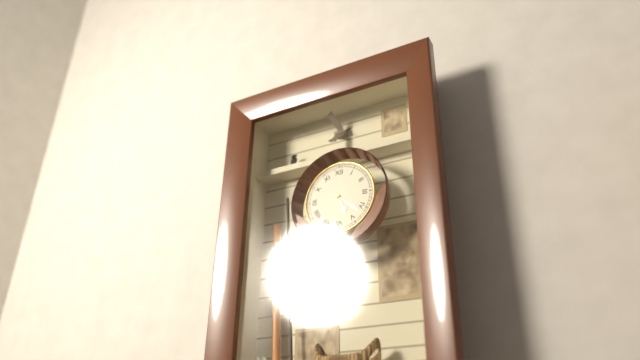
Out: 5,22
